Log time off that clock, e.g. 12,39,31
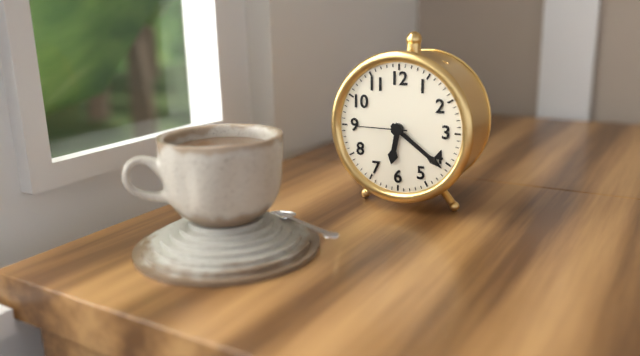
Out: 6,21,45
